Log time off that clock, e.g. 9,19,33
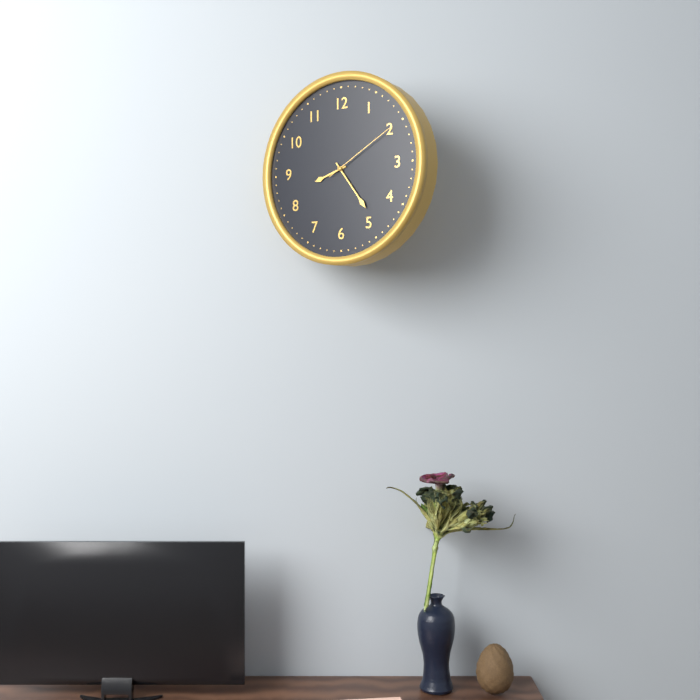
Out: 8,24,10
